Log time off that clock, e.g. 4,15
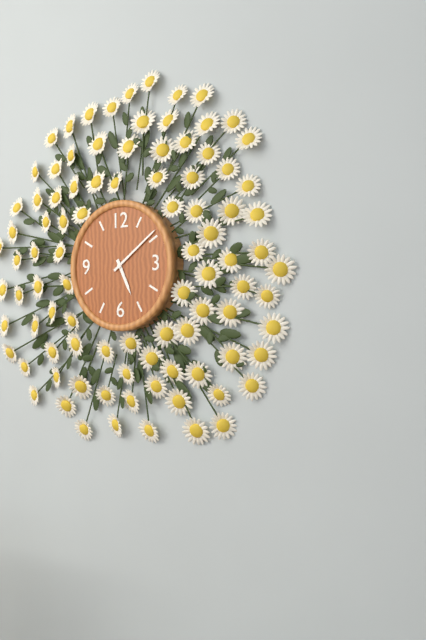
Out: 5,09
